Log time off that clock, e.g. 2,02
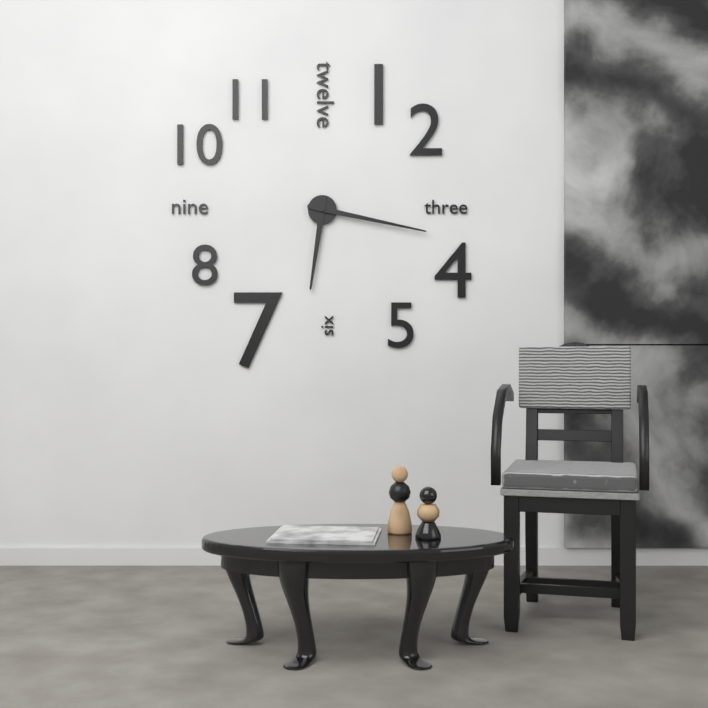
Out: 6,17
